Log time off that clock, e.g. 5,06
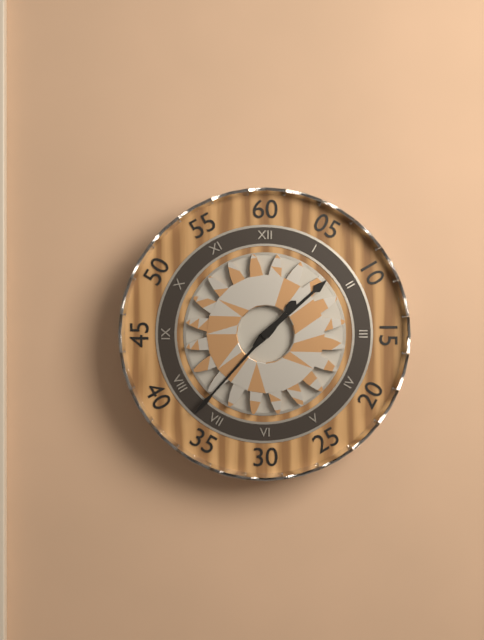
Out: 1,37
